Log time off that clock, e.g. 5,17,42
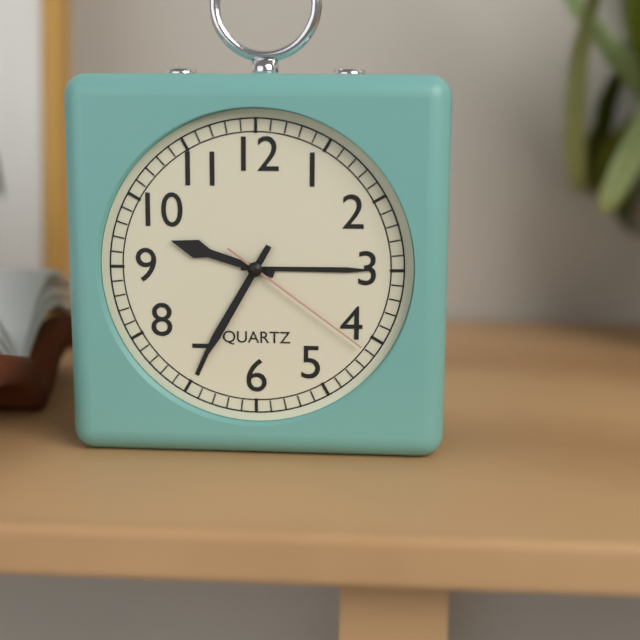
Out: 9,35,21
